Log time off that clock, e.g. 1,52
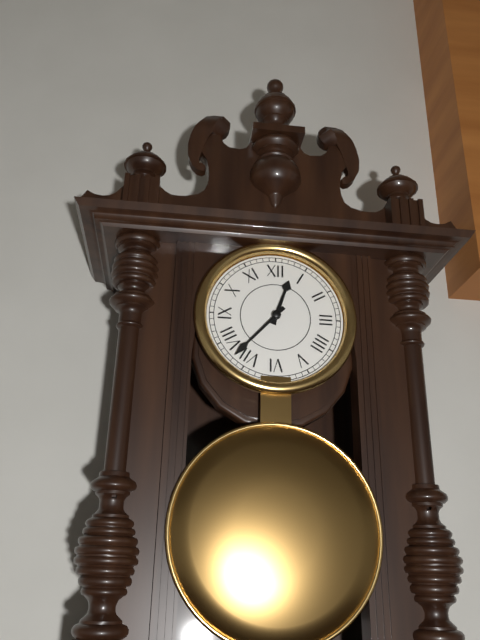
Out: 12,37
